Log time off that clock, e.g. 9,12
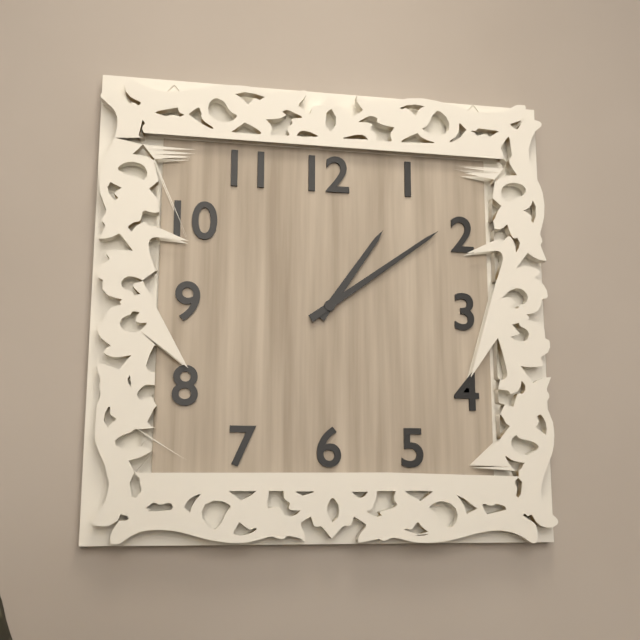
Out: 1,09
